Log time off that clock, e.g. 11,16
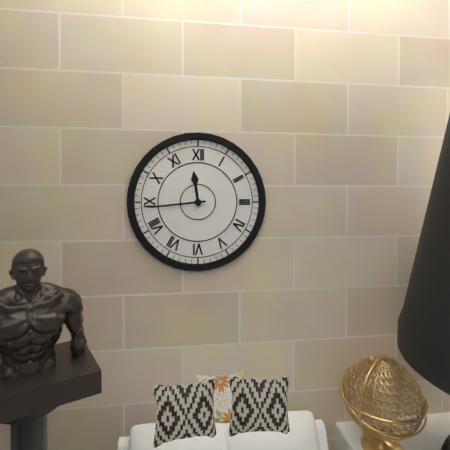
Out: 11,44
